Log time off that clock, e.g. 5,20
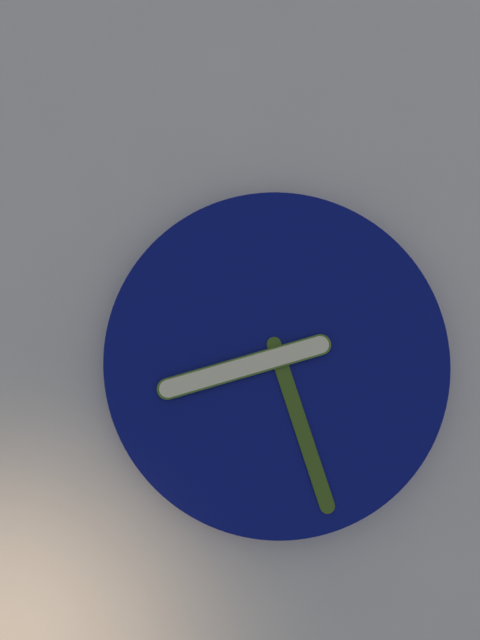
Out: 8,27
